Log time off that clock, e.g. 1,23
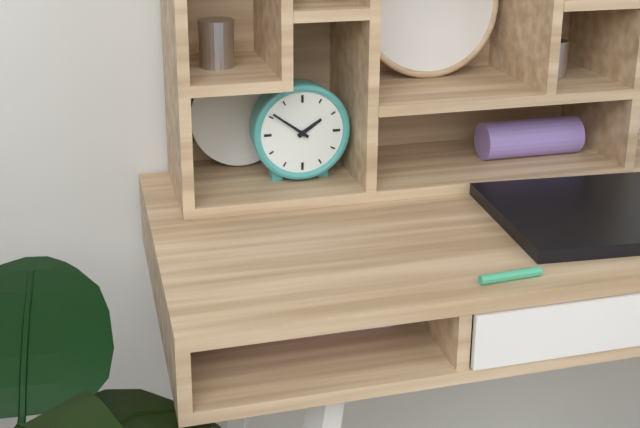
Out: 1,51
